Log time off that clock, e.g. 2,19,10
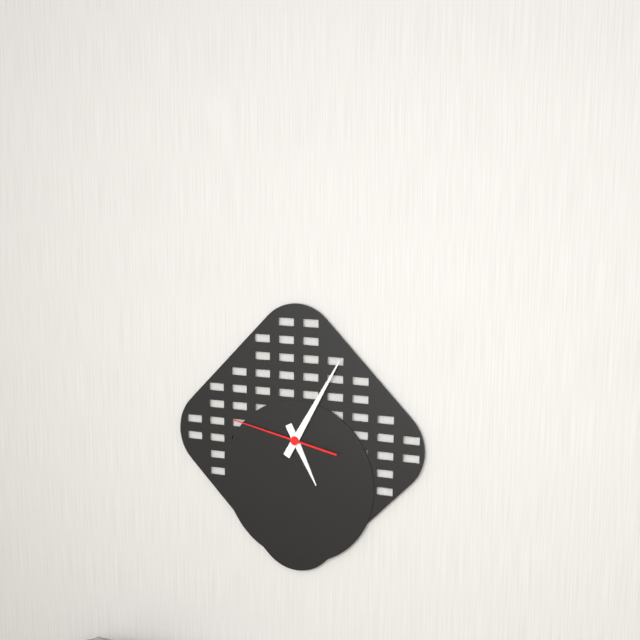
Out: 5,05,47
